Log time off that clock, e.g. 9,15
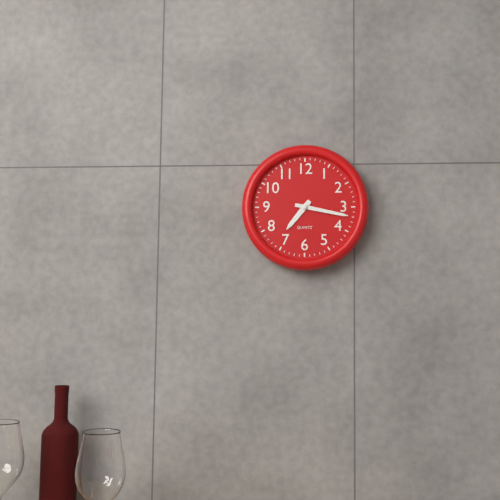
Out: 7,17
